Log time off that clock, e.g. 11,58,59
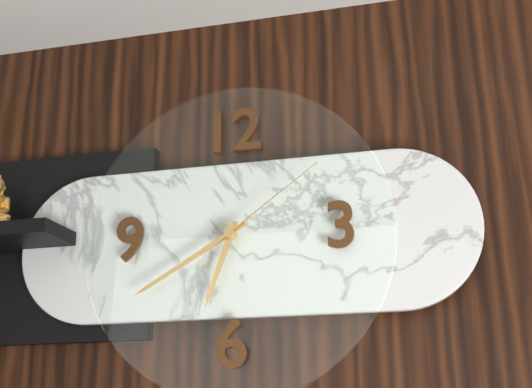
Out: 6,40,09
